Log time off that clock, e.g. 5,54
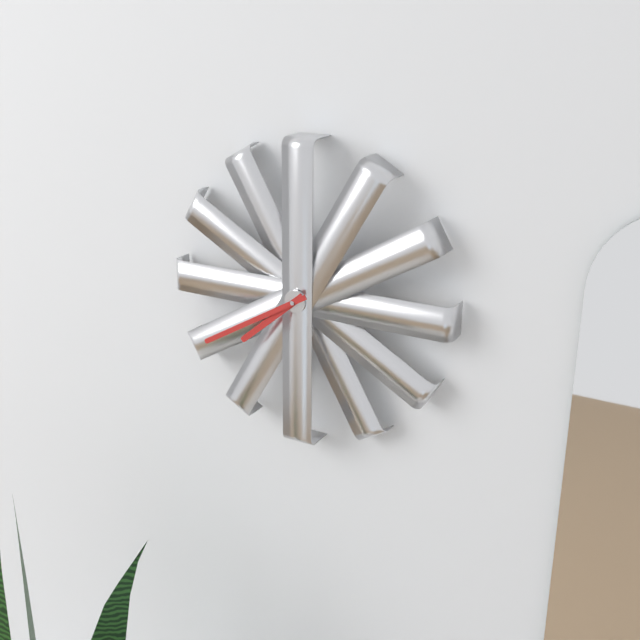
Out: 7,40
